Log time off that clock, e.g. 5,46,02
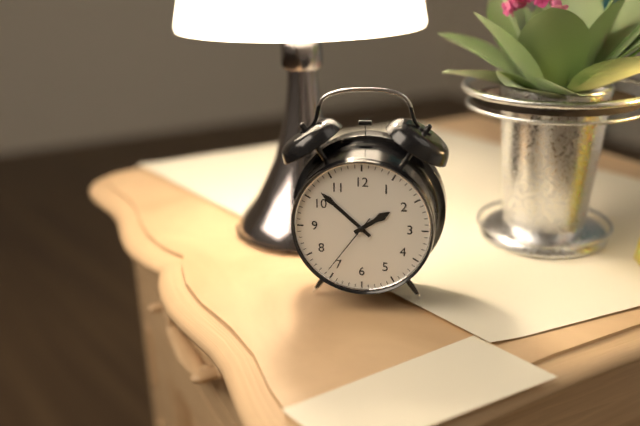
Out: 1,52,36
